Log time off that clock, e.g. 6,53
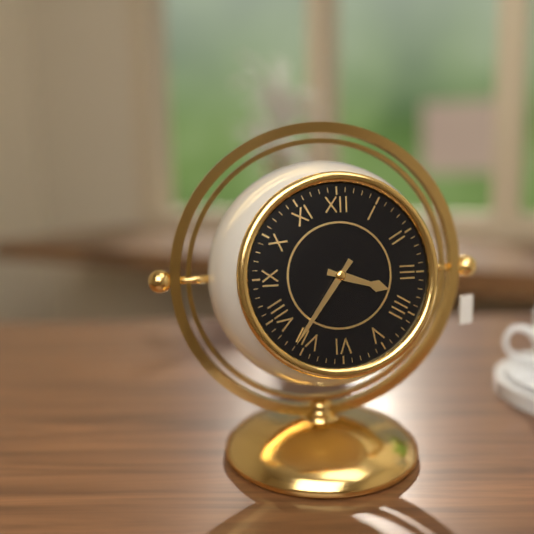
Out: 3,36
